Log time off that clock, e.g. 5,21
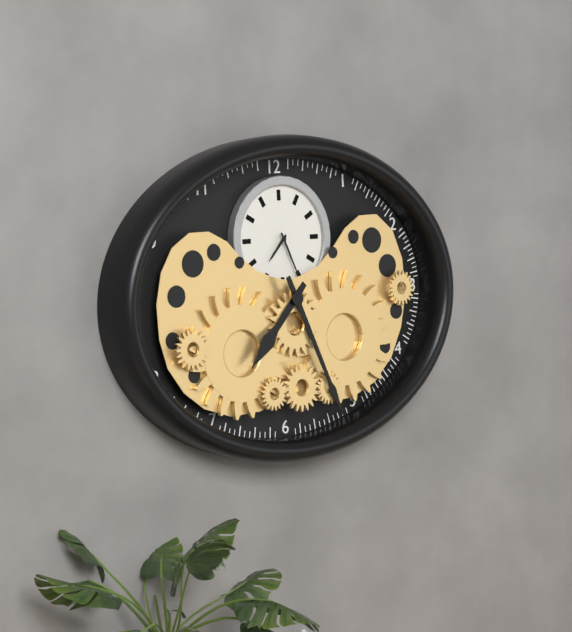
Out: 7,26
